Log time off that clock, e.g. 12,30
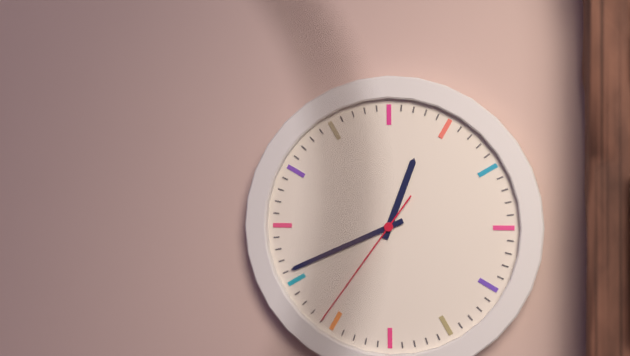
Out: 12,41
